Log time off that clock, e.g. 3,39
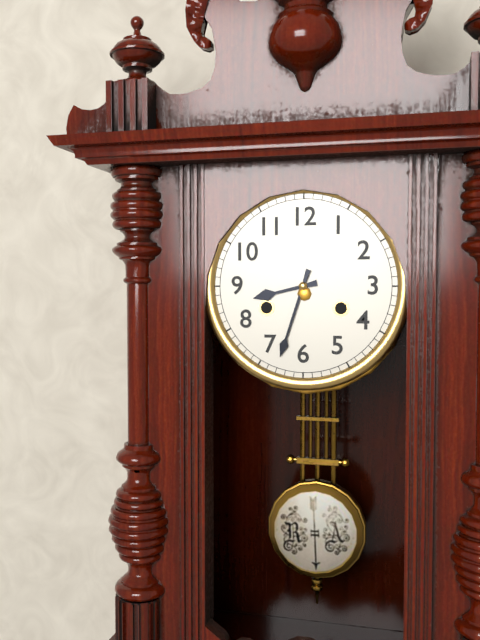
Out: 8,33
